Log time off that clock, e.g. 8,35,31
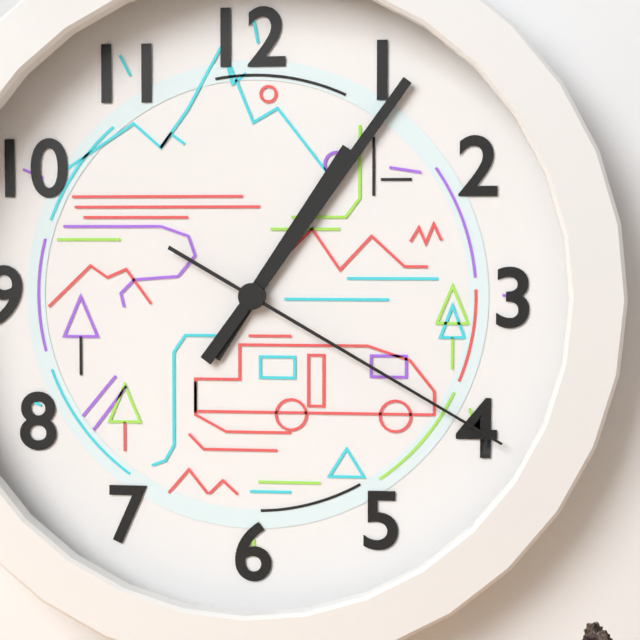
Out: 1,06,20
